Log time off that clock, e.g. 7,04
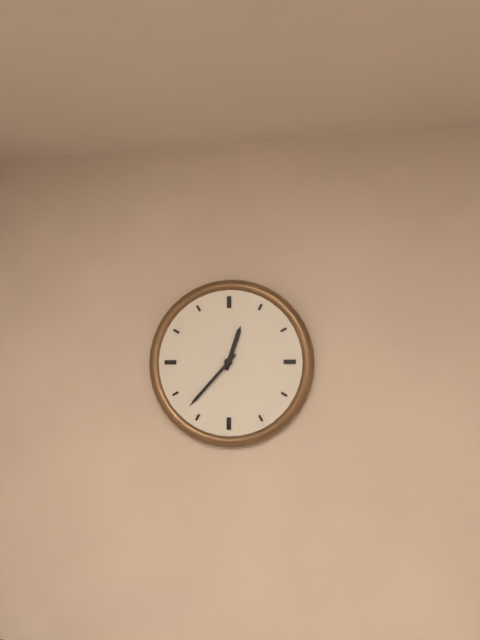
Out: 12,37
